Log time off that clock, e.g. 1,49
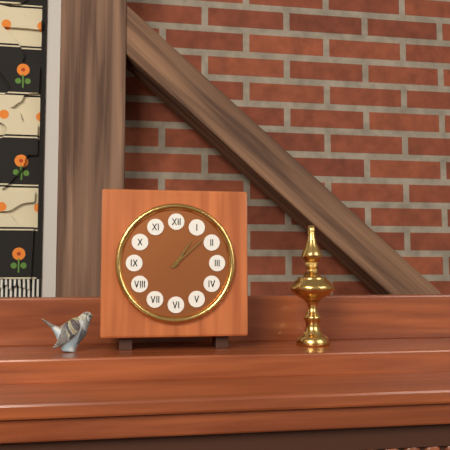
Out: 1,08
